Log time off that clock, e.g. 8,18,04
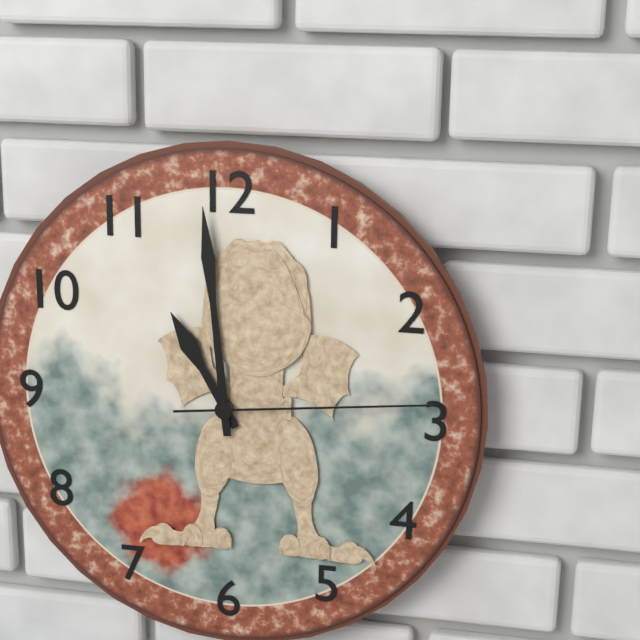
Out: 10,59,14
